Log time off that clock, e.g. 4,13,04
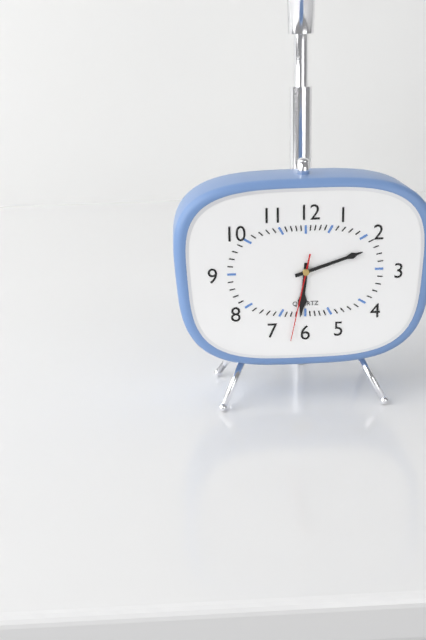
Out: 6,12,32
